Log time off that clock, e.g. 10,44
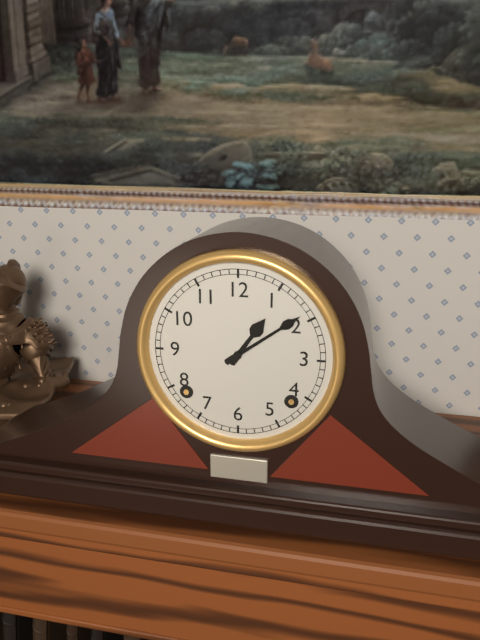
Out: 1,09
